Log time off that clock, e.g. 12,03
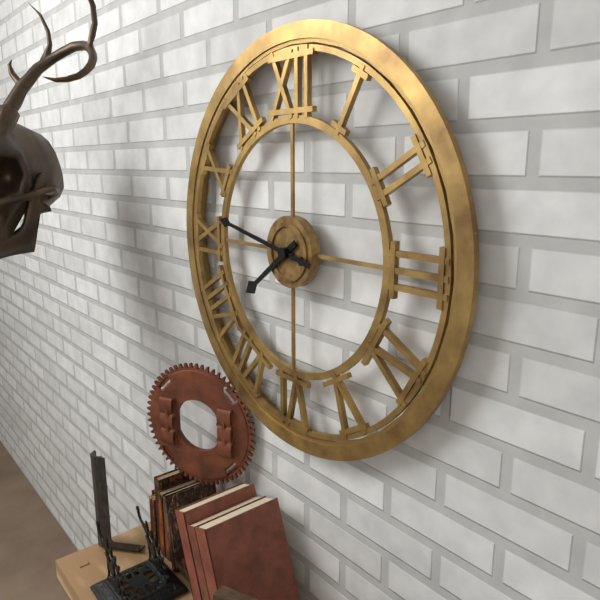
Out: 7,47
